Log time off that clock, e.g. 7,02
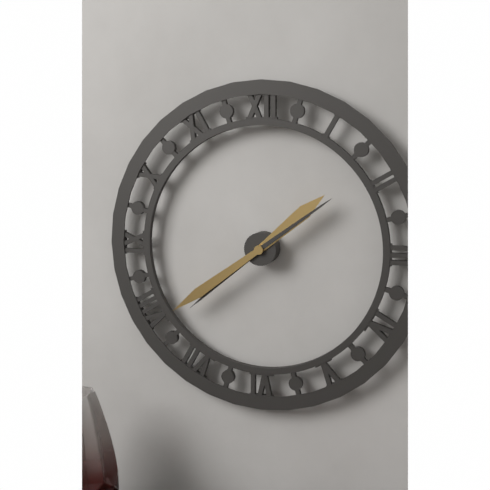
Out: 1,39
